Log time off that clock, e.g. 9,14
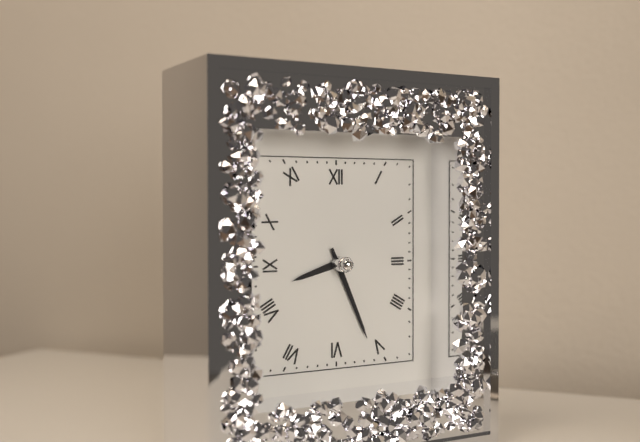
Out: 8,26
